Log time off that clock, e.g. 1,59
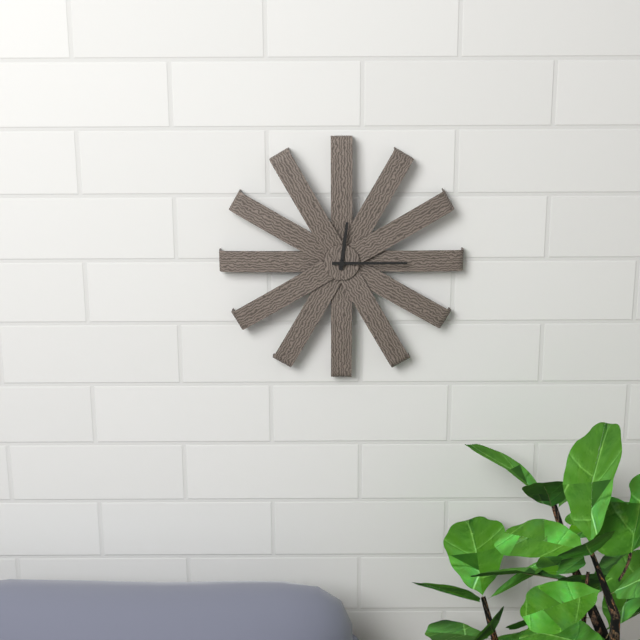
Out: 12,15
